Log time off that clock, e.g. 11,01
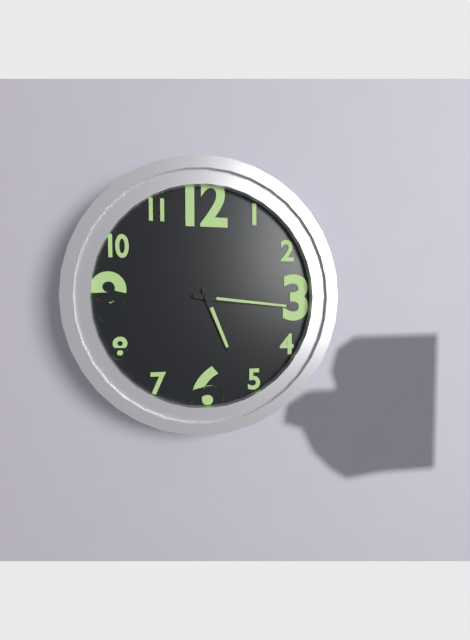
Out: 5,16
